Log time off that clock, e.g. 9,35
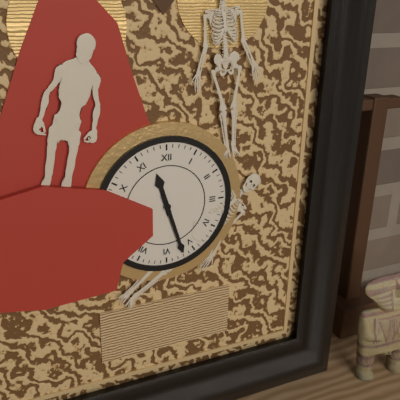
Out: 11,27
